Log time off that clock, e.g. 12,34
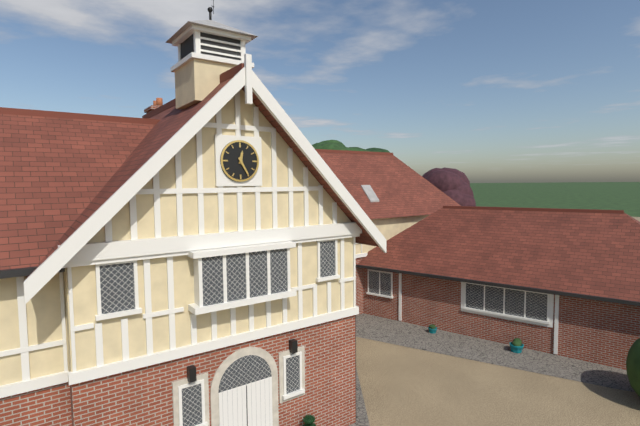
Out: 12,25
